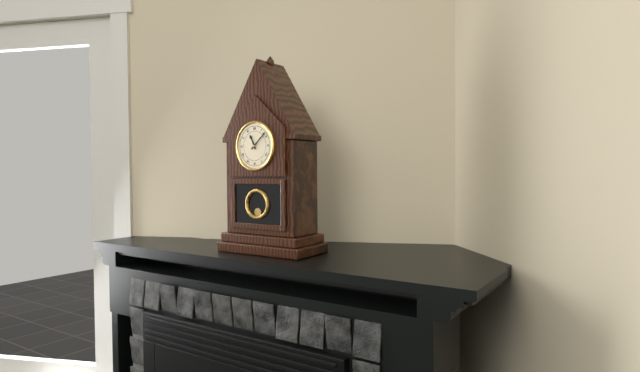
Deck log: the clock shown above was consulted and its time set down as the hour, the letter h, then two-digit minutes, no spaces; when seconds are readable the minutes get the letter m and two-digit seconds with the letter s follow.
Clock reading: 11h08
